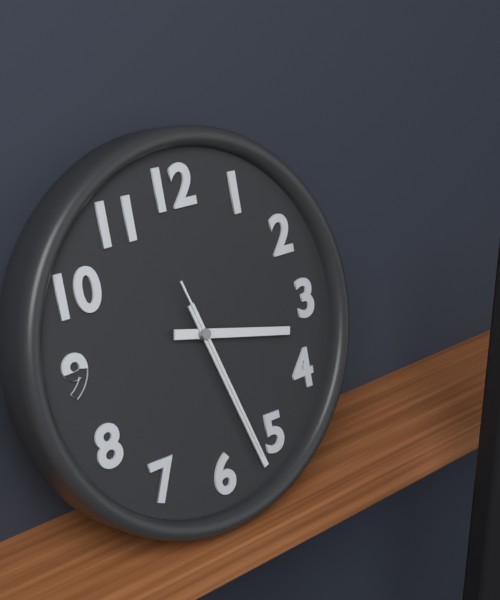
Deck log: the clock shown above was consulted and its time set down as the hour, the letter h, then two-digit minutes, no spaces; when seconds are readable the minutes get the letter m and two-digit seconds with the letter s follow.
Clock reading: 3h27m27s
